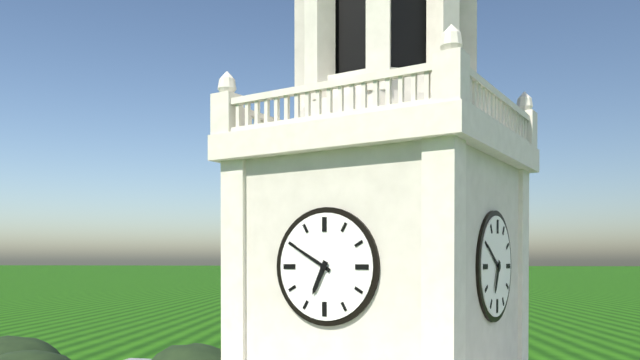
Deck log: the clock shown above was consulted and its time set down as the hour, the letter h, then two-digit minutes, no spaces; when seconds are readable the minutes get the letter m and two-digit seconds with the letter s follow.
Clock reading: 6h50
